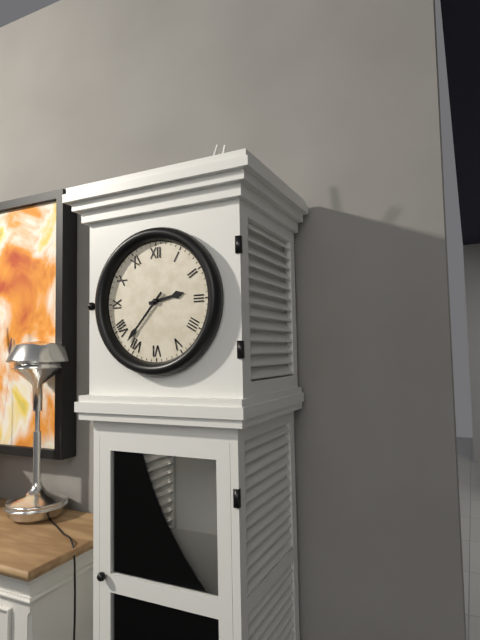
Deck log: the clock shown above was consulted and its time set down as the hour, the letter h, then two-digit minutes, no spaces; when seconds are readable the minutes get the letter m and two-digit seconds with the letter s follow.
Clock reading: 2h37
